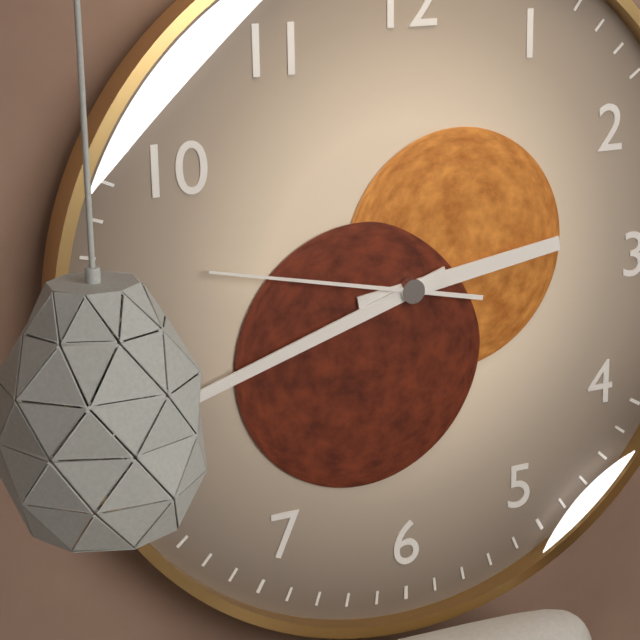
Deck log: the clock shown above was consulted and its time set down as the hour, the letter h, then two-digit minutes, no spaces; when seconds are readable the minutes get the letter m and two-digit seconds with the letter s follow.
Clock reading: 2h42m47s
